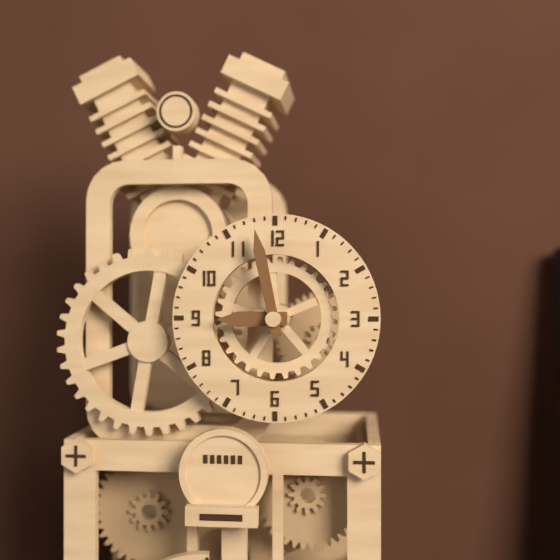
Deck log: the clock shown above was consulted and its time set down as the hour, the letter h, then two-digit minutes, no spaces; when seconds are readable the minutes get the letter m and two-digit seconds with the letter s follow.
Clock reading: 8h58
